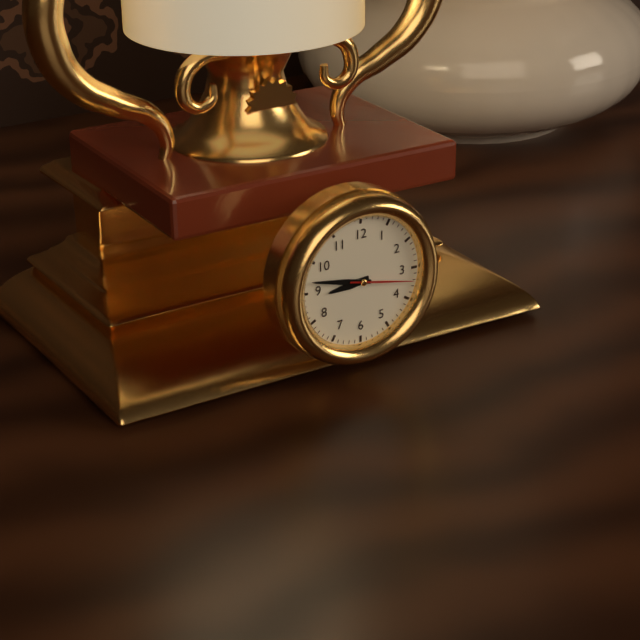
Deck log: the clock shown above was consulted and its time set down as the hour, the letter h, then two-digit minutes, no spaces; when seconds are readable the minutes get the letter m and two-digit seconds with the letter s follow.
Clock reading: 8h47m17s
